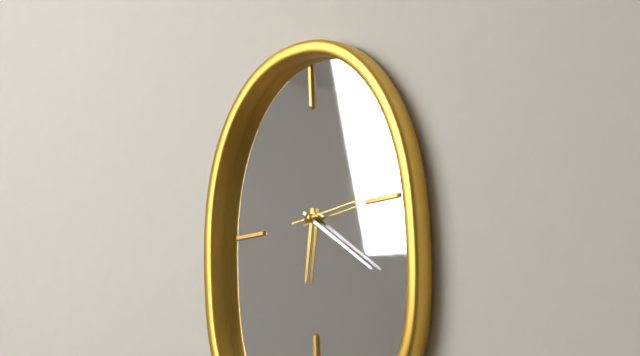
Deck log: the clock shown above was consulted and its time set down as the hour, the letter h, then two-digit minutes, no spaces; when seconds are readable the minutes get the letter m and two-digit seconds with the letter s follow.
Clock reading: 6h21m14s
